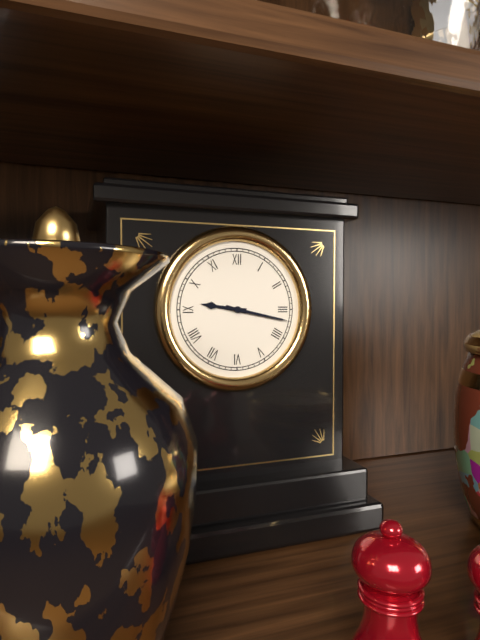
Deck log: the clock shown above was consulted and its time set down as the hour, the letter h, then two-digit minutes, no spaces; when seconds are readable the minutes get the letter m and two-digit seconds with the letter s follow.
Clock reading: 9h17
